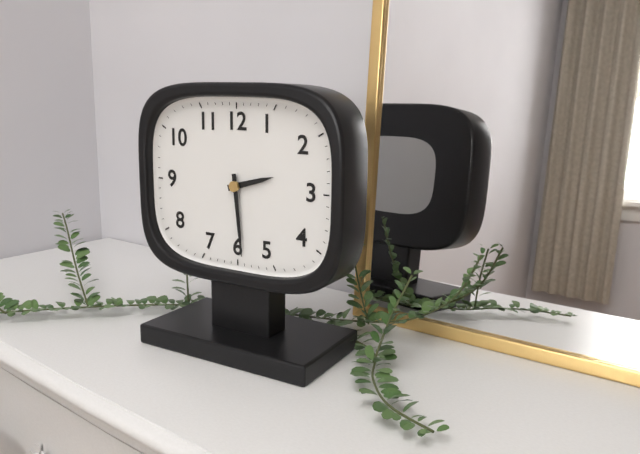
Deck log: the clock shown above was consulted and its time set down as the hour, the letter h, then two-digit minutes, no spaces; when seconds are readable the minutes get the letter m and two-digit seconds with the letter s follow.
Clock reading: 2h29
